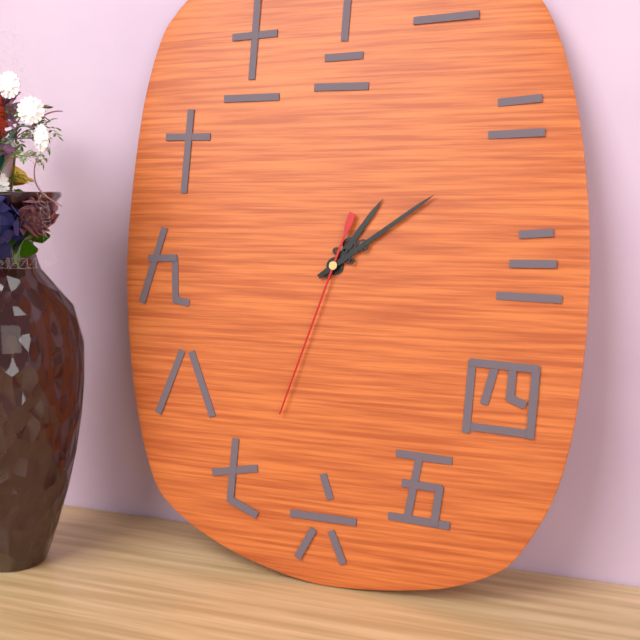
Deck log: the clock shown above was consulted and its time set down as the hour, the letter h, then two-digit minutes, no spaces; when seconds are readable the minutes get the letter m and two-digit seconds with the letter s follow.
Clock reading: 1h09m33s
